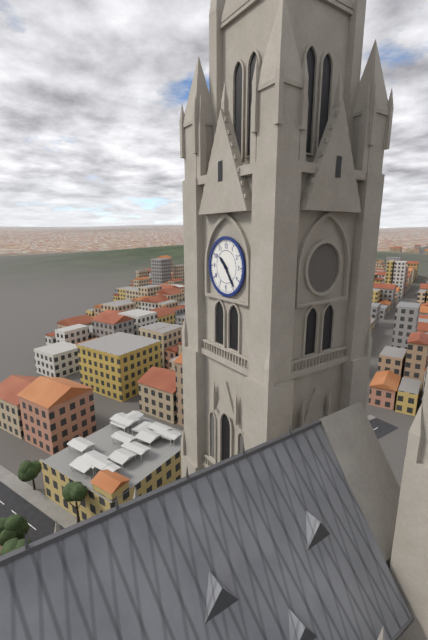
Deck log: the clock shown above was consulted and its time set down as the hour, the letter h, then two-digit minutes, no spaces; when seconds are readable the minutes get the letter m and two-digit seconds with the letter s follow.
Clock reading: 10h24
